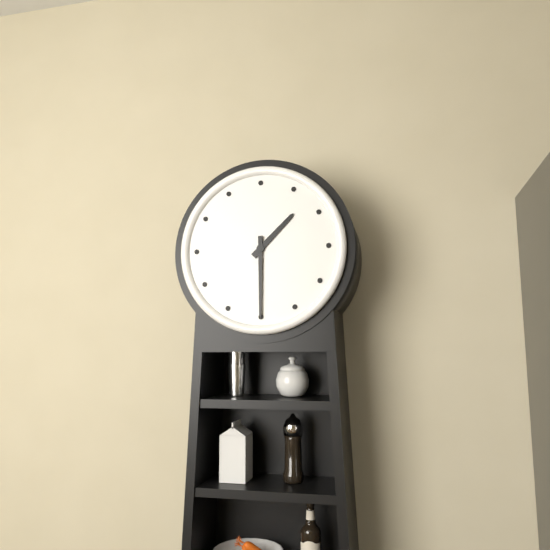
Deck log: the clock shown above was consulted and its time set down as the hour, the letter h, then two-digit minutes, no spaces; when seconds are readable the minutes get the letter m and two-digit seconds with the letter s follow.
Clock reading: 1h30
